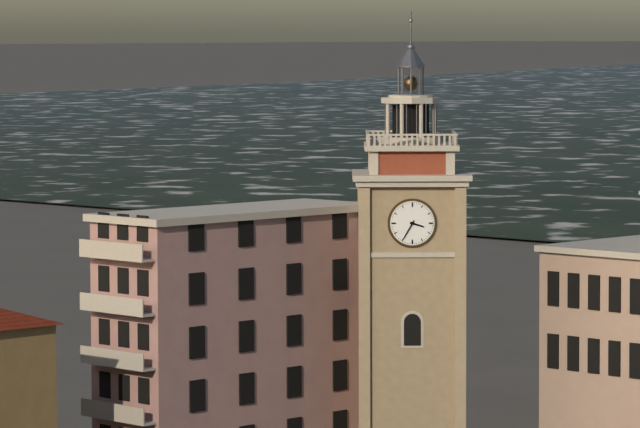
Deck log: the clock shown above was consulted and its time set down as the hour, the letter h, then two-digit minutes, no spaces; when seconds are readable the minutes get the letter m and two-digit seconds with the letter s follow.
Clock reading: 3h35
